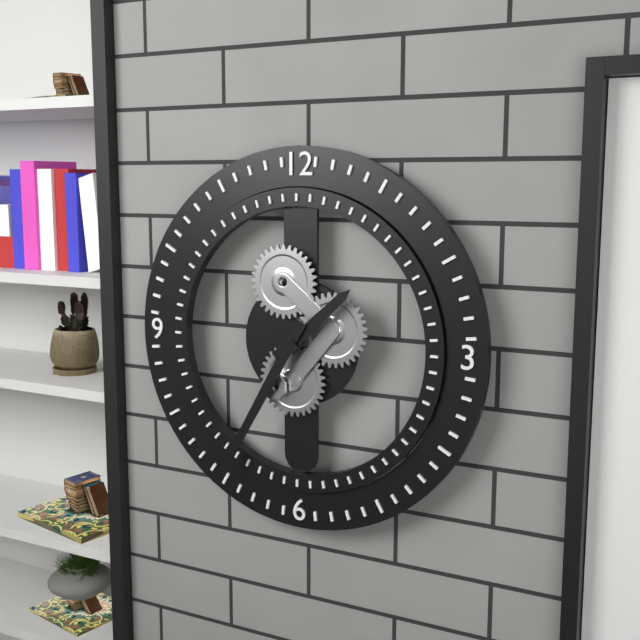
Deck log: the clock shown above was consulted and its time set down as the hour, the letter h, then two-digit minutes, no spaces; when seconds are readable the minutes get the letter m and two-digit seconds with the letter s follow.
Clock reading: 1h35
